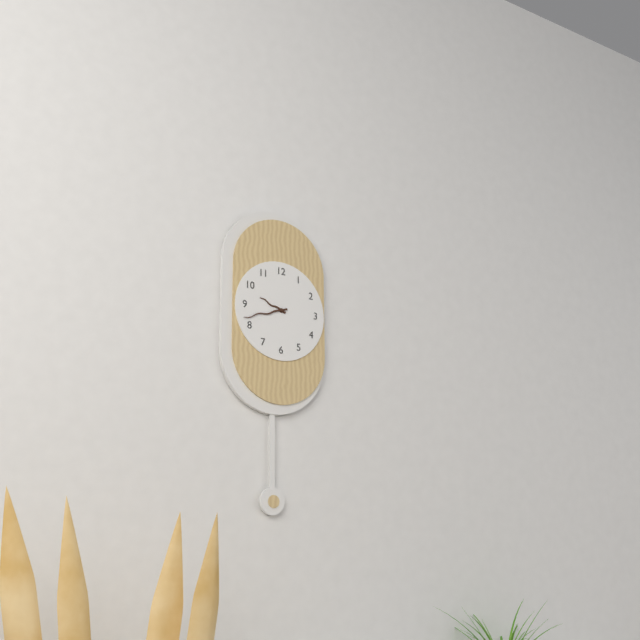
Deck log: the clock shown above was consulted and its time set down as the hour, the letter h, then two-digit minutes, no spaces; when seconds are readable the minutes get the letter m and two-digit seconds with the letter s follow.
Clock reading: 9h42
